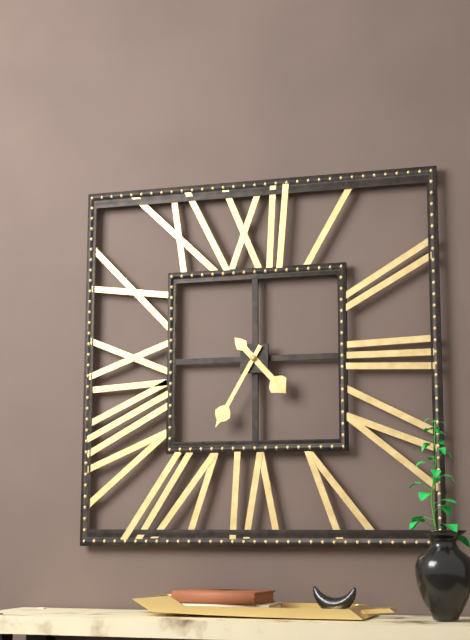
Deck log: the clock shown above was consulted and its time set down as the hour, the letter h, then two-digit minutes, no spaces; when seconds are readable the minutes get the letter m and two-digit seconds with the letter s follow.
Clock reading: 4h35
